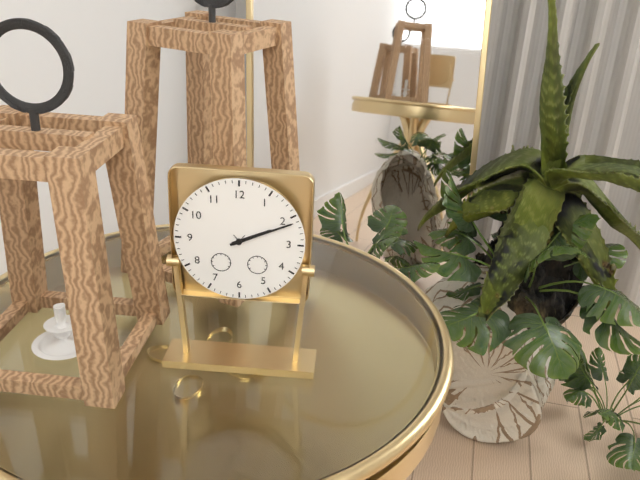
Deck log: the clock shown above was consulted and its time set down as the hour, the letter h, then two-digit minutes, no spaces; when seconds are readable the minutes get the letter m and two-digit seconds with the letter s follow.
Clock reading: 2h11
